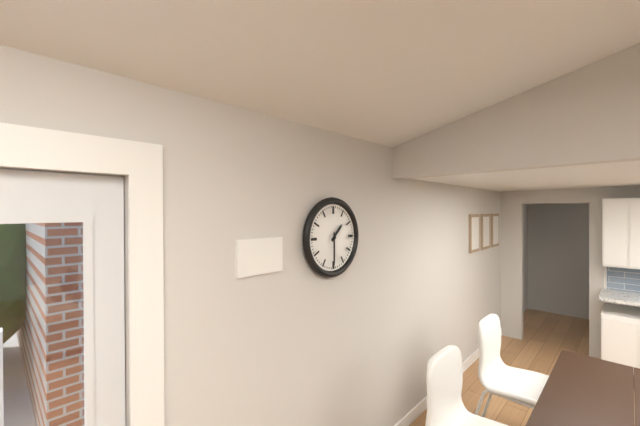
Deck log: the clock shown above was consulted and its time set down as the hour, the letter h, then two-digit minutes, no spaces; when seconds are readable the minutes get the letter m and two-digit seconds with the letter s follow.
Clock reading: 1h30
